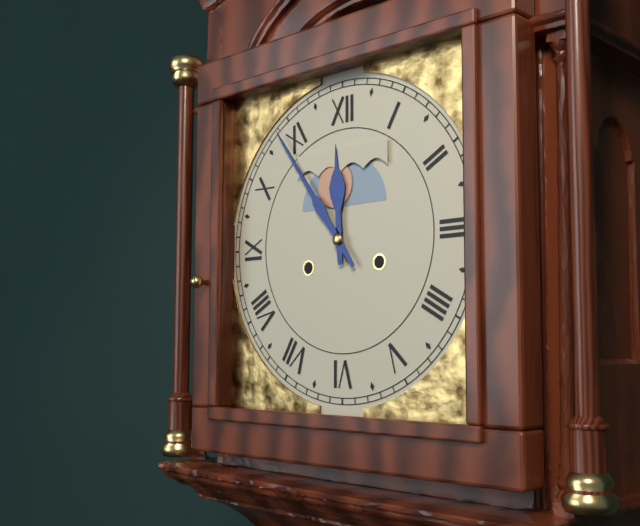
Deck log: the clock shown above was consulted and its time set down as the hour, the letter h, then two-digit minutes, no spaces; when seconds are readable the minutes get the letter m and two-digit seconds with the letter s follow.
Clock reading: 11h54
